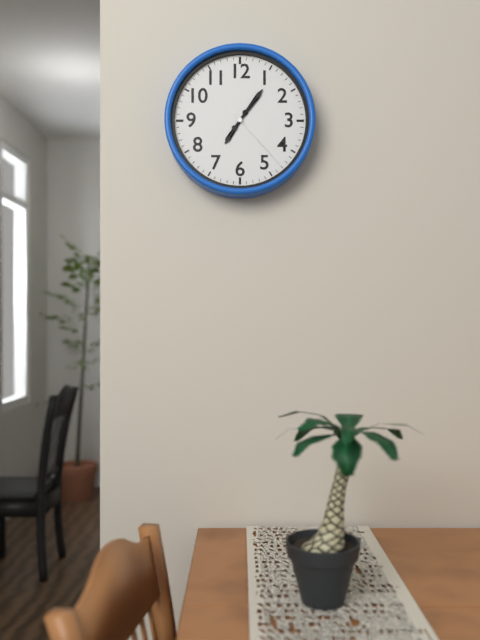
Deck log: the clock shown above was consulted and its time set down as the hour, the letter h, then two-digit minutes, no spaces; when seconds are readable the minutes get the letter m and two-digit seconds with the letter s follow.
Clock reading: 7h06m23s
